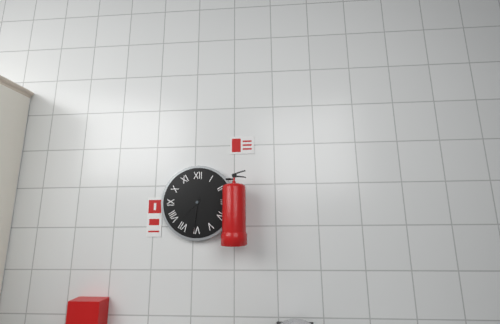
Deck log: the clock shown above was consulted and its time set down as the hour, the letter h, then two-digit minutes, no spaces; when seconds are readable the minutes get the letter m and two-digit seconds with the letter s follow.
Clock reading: 7h31
